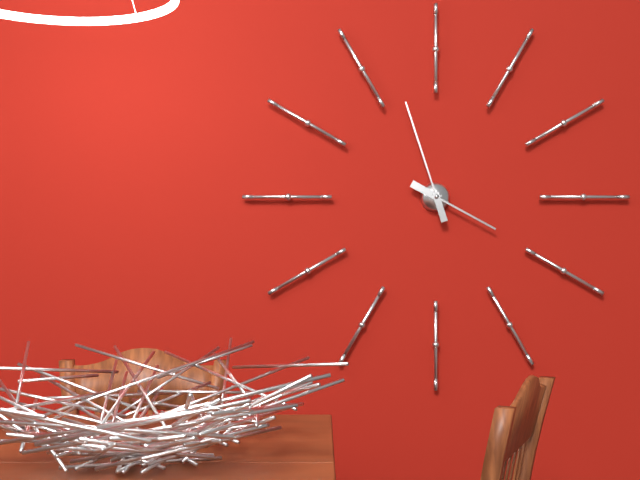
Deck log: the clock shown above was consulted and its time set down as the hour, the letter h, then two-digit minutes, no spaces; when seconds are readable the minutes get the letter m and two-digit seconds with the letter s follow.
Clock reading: 3h57
